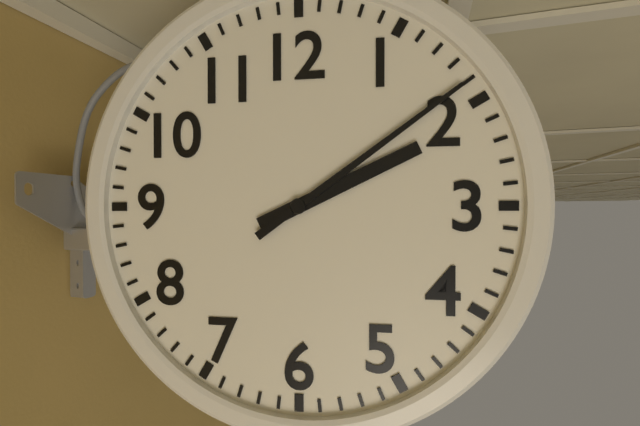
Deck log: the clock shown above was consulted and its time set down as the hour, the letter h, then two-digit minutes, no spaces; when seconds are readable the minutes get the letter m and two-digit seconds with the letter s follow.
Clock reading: 2h09
